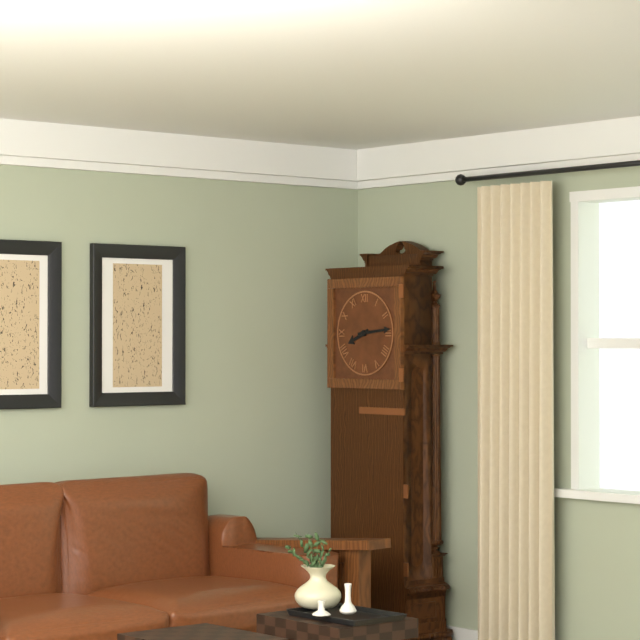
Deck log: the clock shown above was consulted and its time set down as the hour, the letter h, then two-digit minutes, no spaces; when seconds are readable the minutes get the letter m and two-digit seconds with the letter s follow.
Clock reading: 8h14
